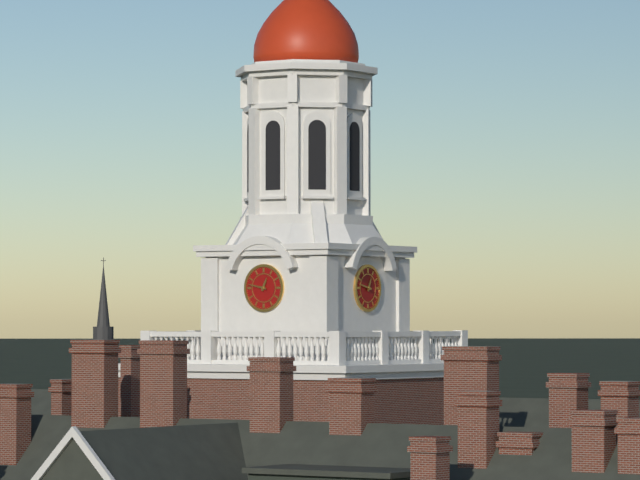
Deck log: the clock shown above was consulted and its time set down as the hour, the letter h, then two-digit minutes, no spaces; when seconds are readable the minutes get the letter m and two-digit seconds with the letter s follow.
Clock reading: 12h47
